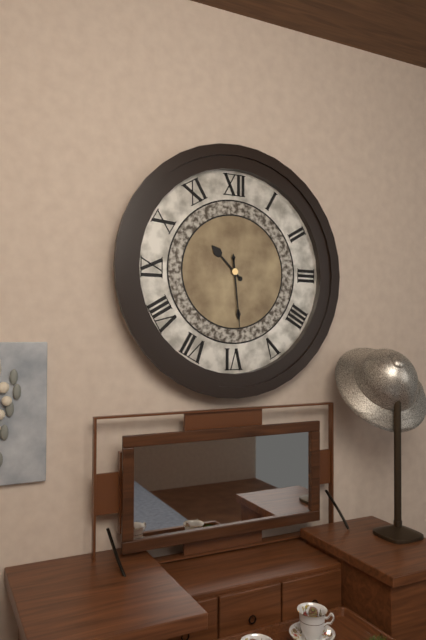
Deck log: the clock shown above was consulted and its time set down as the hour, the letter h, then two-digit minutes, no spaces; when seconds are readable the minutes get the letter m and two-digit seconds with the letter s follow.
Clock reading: 10h29
